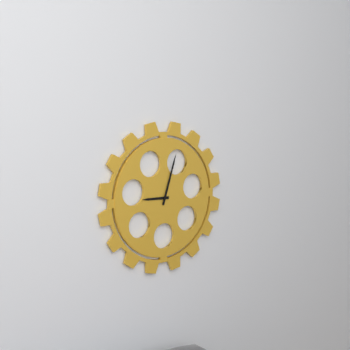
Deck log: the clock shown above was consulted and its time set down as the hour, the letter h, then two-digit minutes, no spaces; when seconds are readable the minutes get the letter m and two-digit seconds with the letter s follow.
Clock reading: 9h03
